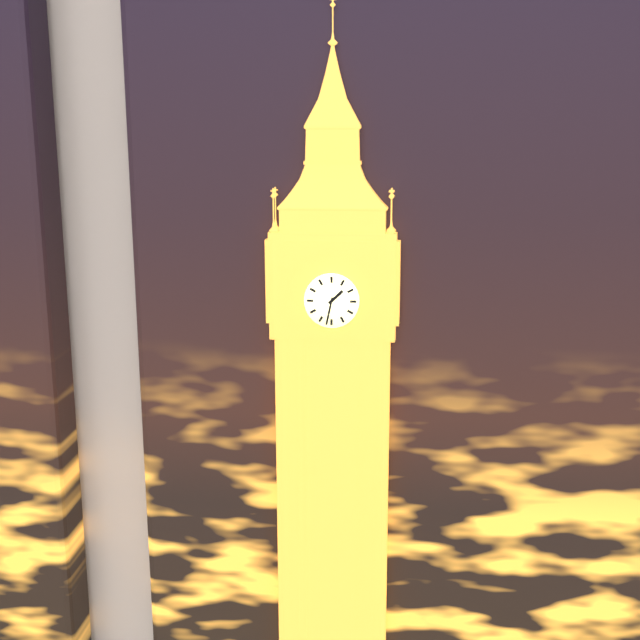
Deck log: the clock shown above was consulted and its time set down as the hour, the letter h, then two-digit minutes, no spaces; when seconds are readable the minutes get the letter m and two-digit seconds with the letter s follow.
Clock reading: 1h32
